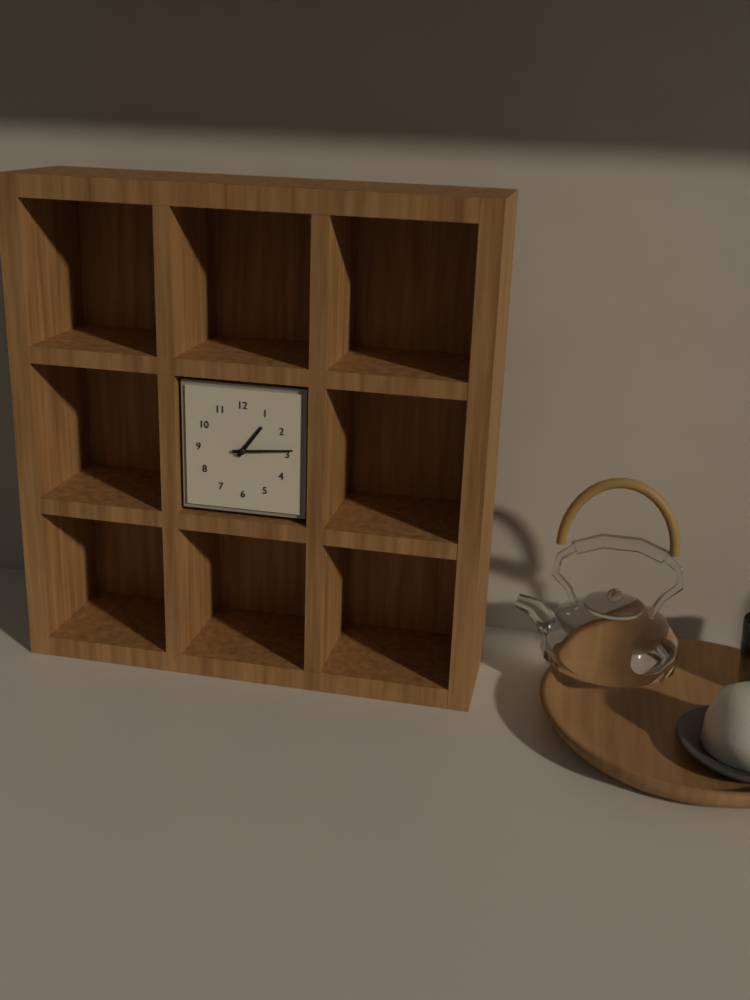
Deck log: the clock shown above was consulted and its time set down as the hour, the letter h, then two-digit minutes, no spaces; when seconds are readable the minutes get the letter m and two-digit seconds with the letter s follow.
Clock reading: 1h14
